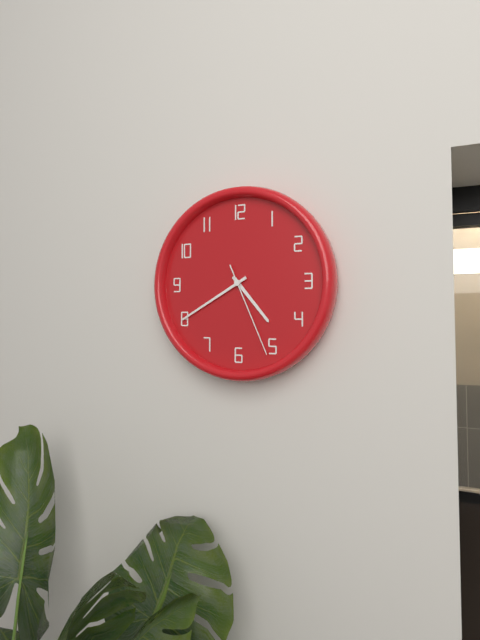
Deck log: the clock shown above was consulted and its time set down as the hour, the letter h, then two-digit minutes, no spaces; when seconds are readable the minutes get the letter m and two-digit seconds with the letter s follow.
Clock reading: 4h40m26s
